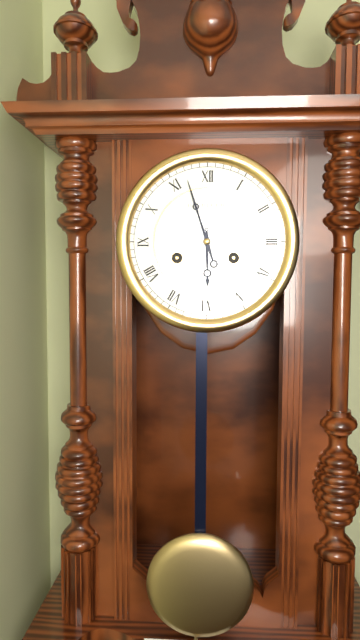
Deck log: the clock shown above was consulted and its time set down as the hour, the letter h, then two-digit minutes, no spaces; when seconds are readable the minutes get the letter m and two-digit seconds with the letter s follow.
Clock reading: 5h57
